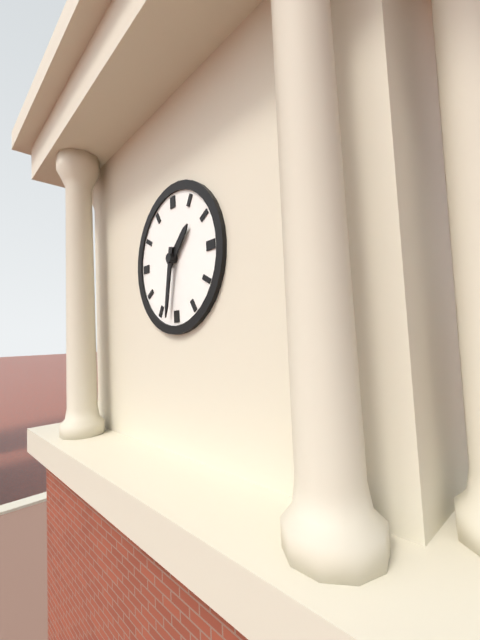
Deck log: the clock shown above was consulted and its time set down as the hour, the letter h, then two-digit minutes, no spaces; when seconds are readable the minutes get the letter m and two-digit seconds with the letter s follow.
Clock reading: 1h32
